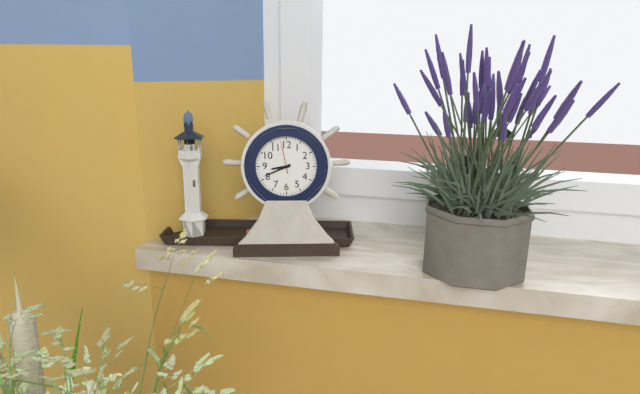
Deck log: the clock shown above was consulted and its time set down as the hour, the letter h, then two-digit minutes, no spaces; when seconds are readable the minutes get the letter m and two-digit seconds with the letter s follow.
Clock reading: 8h41
